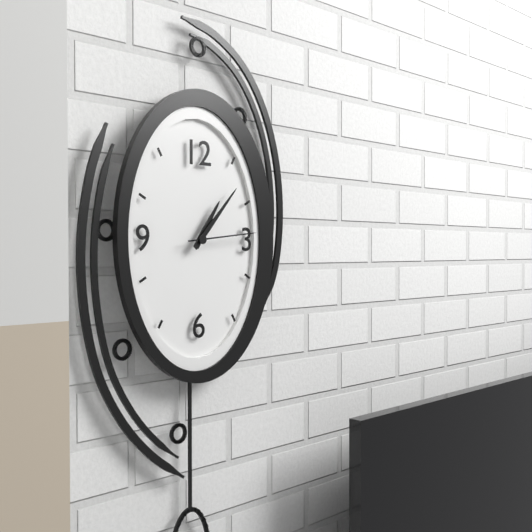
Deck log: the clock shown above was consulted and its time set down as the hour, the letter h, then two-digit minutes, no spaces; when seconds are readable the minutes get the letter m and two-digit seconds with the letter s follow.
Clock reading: 1h07m14s
